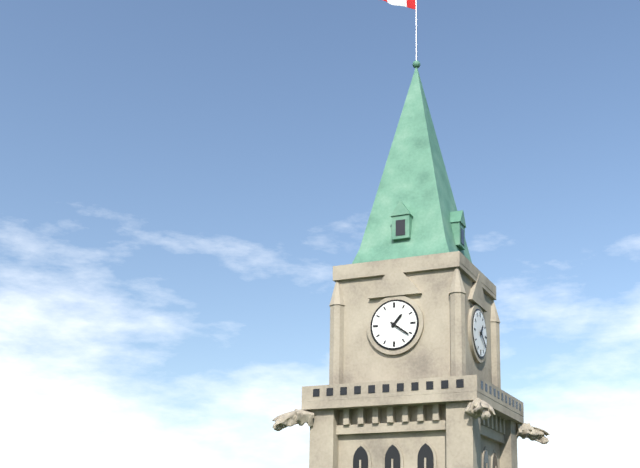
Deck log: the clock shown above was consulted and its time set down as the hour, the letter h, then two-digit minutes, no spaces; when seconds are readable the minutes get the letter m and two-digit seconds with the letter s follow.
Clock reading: 1h21
